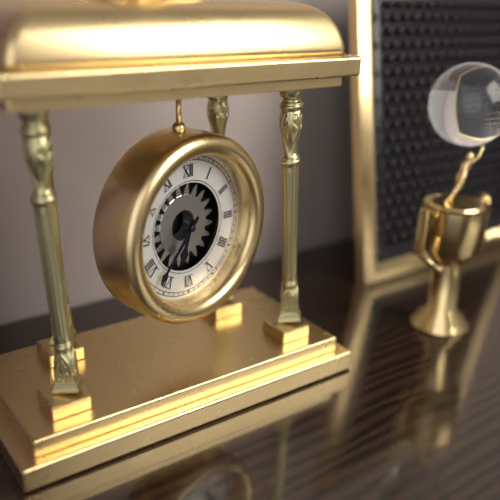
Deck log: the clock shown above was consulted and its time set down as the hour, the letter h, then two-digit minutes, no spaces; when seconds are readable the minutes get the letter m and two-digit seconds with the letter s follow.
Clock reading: 6h37
